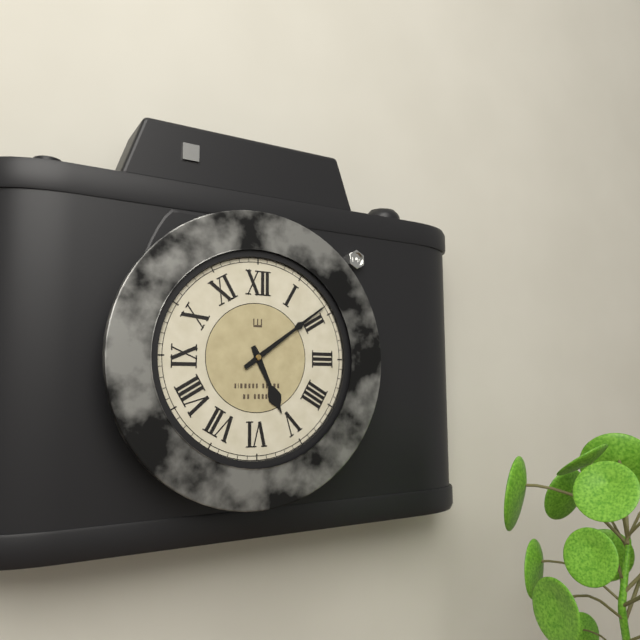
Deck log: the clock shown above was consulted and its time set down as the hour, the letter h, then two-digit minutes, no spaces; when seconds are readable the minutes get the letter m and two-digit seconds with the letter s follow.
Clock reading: 5h09
